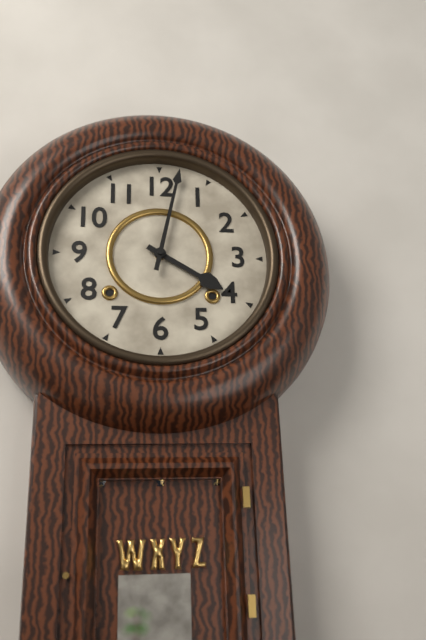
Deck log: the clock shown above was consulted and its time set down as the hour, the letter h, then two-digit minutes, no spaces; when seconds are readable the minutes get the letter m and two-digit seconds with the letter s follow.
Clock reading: 4h02
